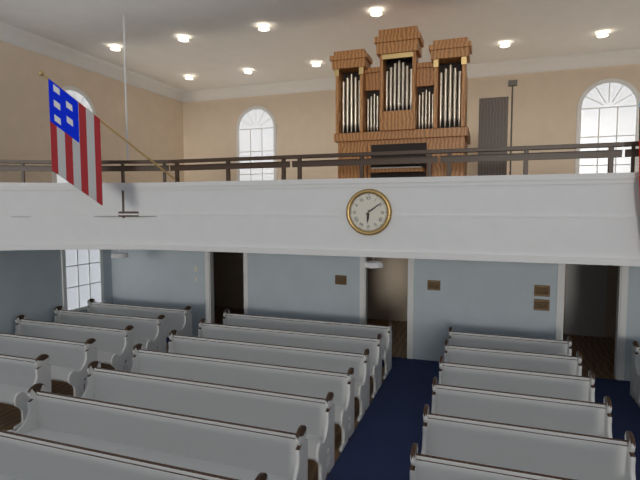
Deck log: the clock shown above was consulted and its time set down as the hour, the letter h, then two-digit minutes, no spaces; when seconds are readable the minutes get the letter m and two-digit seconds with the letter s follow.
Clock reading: 6h09
